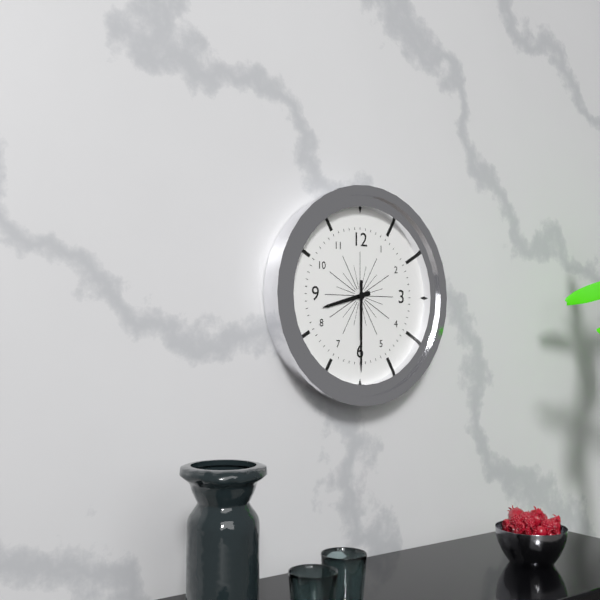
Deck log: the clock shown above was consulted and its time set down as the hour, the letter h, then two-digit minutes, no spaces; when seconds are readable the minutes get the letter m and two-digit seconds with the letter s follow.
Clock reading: 8h30
